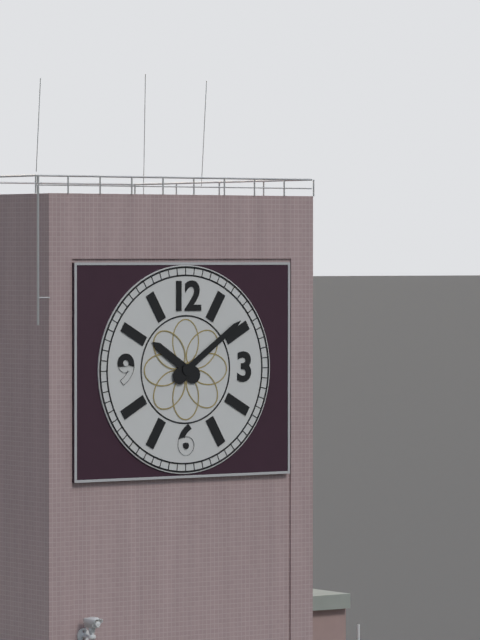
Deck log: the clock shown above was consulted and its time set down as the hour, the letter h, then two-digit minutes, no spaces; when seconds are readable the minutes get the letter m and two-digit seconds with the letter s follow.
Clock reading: 10h09
